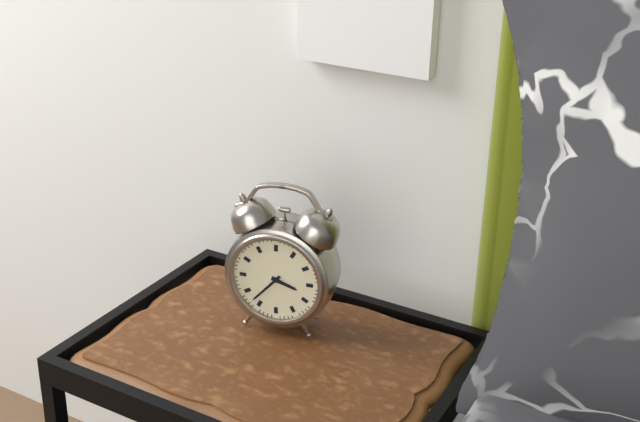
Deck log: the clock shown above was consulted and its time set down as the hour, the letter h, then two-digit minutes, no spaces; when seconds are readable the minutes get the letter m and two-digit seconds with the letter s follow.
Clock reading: 3h37
